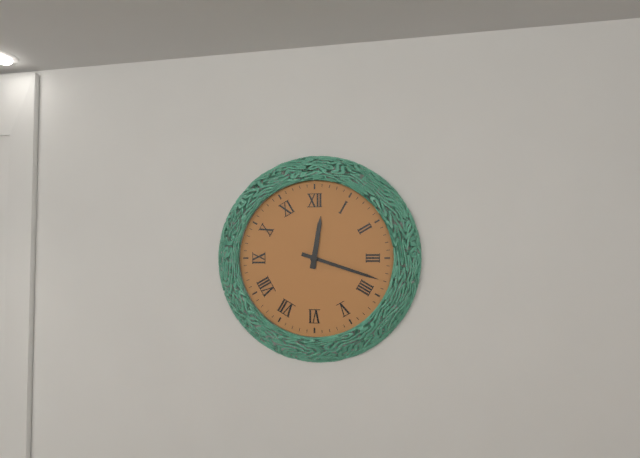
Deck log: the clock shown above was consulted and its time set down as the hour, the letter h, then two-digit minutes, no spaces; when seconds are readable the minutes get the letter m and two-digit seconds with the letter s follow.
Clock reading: 12h18
